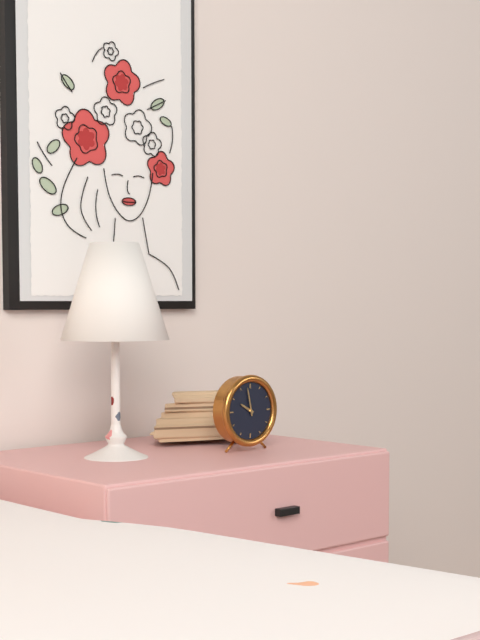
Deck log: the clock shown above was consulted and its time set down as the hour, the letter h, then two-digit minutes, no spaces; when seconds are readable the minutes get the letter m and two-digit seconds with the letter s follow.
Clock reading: 9h58
